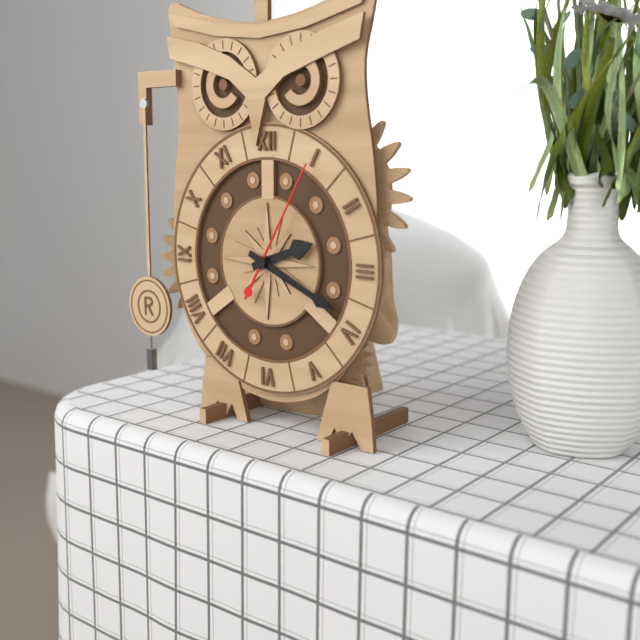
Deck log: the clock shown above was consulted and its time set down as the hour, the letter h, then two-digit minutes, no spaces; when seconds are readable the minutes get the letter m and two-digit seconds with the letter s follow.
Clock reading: 2h19m05s
